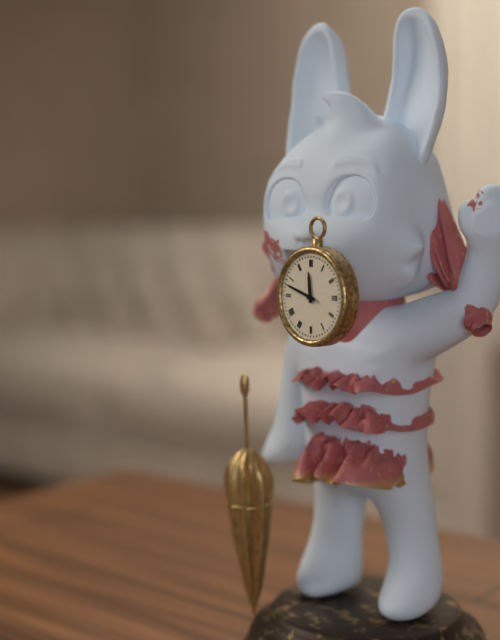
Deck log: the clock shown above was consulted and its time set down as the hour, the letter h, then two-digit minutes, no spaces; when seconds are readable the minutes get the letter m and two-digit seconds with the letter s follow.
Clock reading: 11h48
